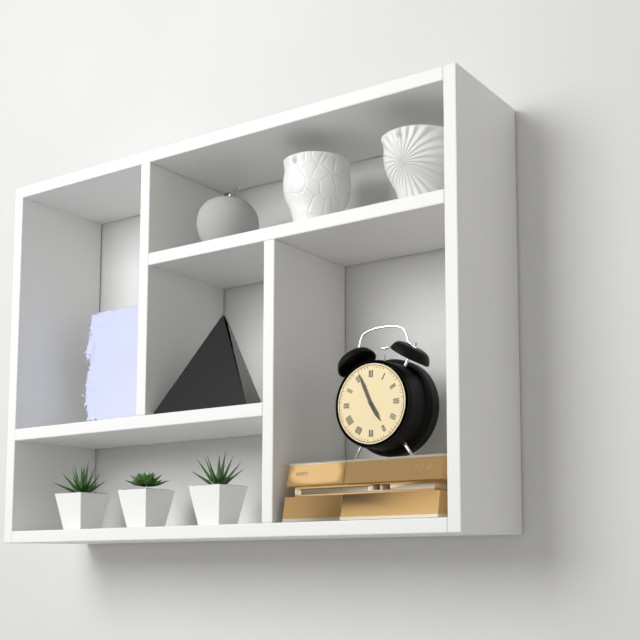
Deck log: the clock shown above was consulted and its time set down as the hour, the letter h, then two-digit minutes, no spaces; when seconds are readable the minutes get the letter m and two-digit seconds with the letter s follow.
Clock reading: 4h56
